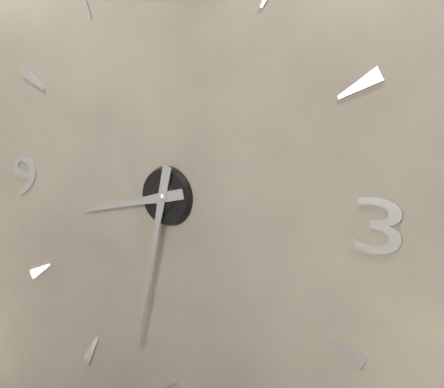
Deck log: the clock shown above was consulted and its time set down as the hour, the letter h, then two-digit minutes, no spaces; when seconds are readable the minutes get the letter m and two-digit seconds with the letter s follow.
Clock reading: 8h32
